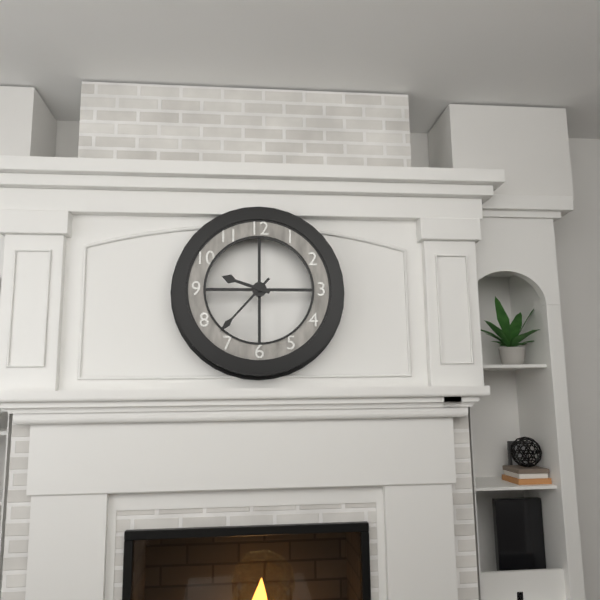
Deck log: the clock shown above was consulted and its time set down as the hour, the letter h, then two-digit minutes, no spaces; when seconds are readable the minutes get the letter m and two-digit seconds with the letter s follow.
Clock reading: 9h37
